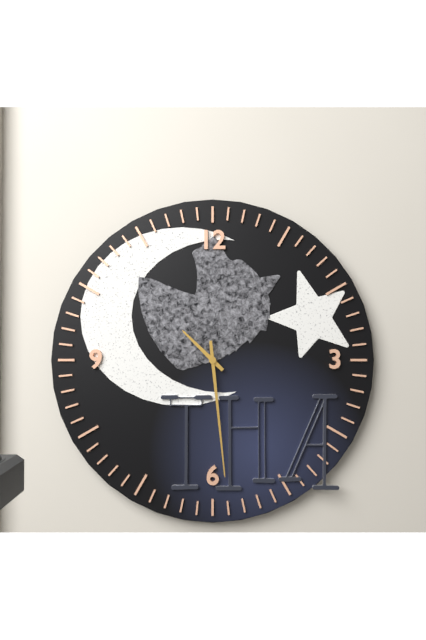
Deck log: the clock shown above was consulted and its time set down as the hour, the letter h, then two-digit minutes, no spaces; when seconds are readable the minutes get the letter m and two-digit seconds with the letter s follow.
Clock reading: 10h29
